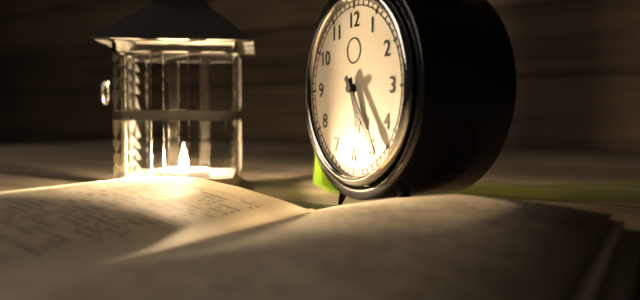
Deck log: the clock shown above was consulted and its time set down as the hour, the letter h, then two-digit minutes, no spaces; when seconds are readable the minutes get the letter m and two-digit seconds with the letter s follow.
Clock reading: 5h24
